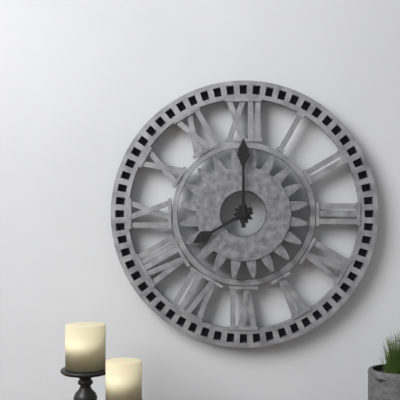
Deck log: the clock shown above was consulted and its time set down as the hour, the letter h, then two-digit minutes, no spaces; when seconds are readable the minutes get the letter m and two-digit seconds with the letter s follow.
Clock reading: 8h00
